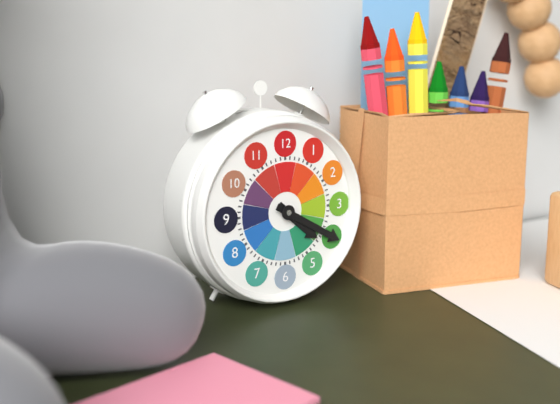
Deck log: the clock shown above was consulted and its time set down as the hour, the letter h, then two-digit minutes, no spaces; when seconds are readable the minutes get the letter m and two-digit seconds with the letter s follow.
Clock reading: 4h20
